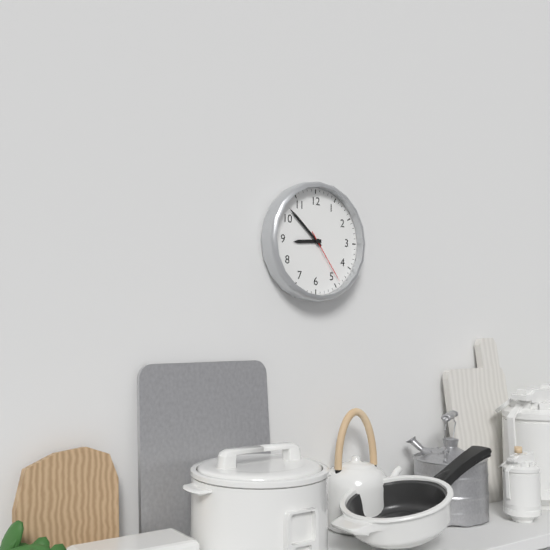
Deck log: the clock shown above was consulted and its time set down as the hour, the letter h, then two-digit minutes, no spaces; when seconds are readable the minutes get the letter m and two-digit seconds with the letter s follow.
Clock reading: 8h52m24s
